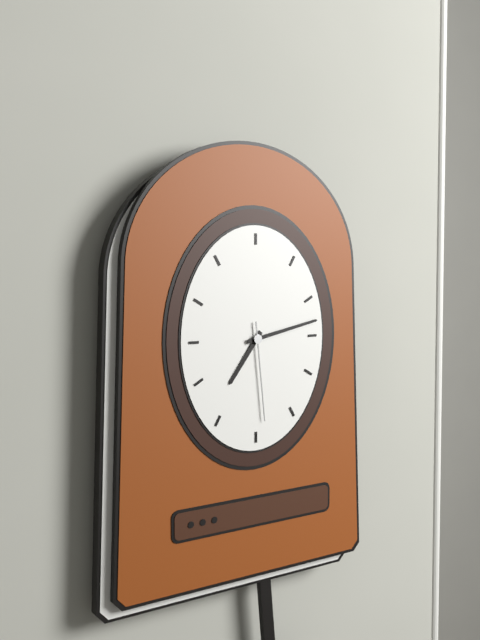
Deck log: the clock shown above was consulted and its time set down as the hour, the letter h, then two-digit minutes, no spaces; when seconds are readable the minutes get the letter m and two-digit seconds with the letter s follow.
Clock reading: 7h13m29s
